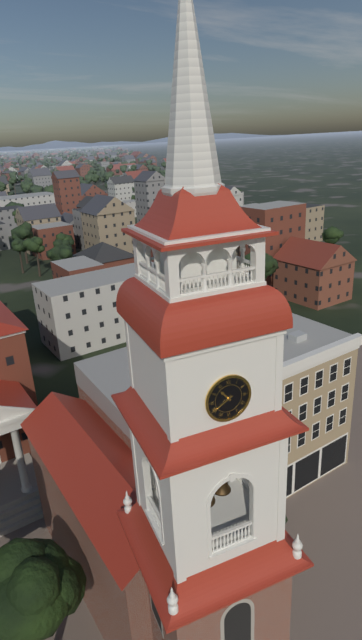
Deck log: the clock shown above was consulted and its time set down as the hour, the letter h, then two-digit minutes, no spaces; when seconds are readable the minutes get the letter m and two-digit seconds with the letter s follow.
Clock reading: 10h40
